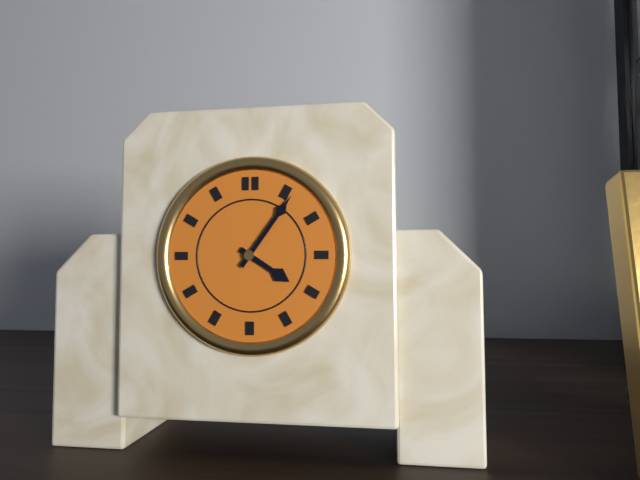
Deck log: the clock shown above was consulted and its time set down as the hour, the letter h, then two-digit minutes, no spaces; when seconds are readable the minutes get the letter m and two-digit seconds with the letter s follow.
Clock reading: 4h06
